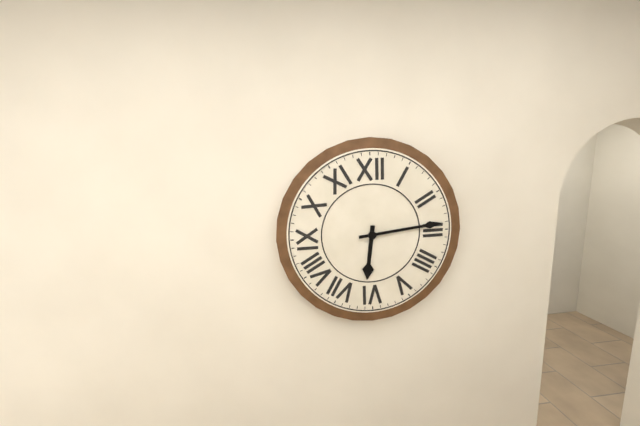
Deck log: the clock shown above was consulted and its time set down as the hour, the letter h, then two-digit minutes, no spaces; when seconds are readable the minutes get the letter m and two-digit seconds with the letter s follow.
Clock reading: 6h14
